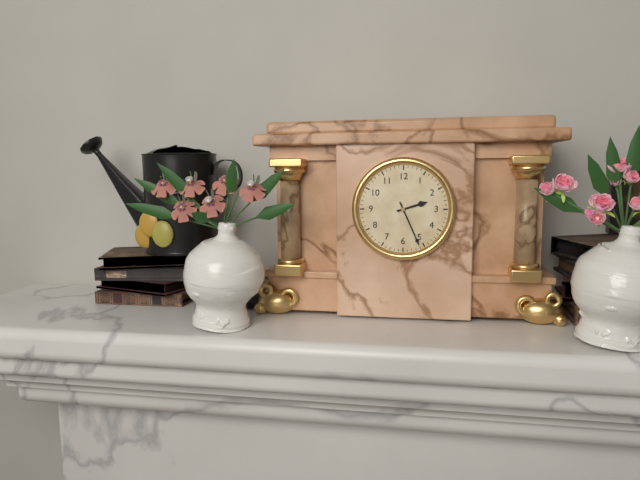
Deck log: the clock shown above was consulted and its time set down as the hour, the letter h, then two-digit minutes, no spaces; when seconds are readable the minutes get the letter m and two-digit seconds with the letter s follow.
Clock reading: 2h26
